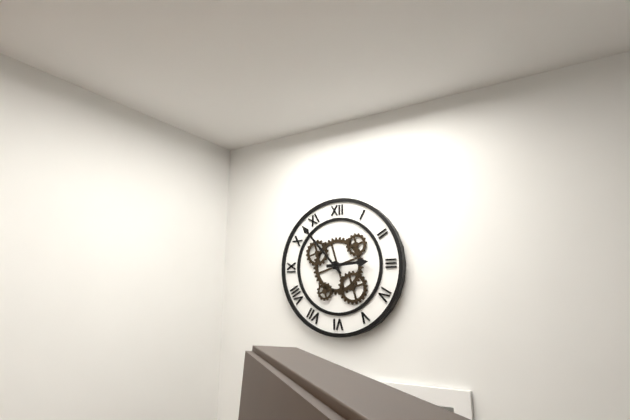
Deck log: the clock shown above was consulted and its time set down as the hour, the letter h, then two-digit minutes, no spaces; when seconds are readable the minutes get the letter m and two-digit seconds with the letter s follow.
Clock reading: 2h53
